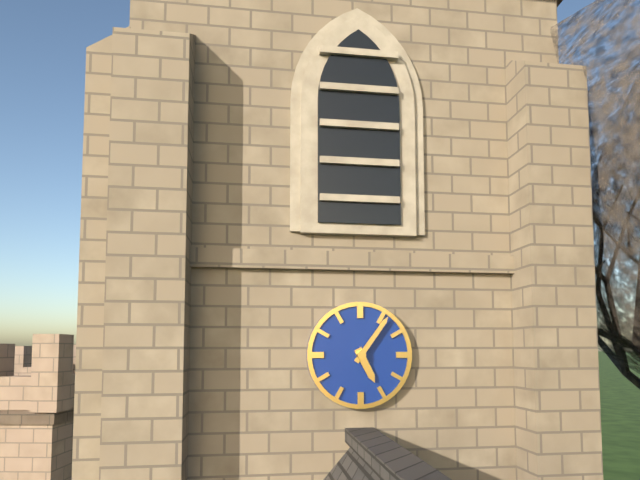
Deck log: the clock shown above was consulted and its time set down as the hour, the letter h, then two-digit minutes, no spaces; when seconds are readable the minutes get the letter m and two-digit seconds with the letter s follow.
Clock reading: 5h06
